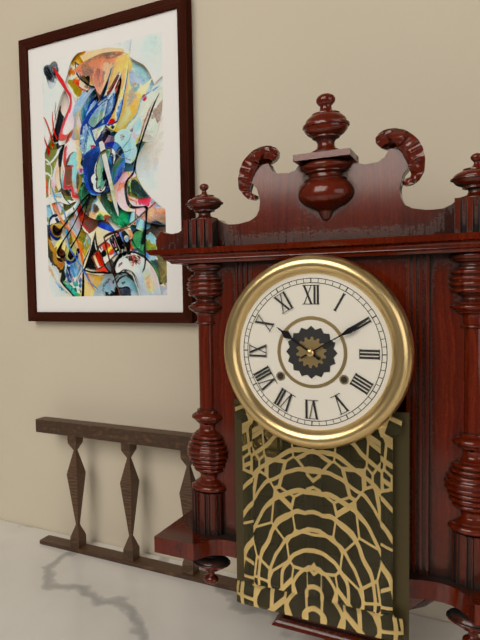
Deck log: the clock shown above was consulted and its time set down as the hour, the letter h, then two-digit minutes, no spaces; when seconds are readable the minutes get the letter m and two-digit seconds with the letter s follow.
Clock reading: 10h10
